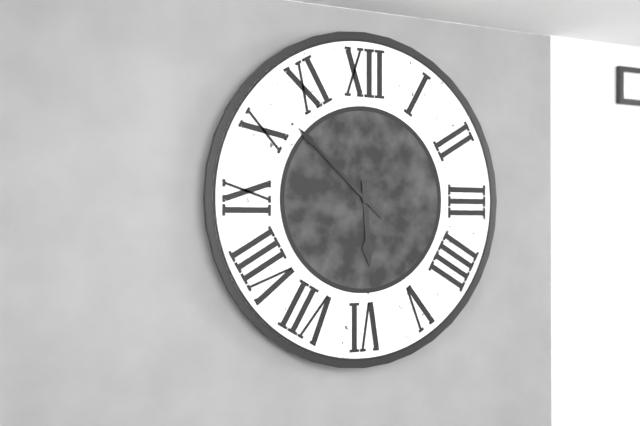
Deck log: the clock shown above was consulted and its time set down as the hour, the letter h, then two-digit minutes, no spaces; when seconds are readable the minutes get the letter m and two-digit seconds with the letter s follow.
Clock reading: 5h52
